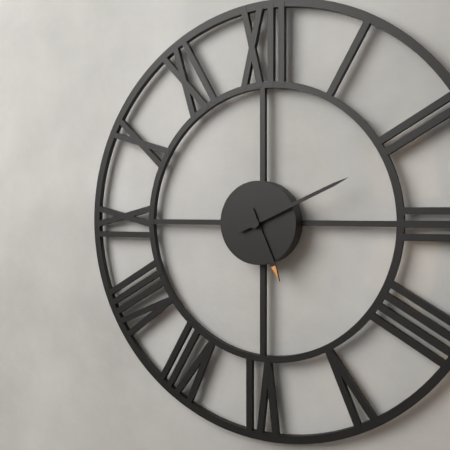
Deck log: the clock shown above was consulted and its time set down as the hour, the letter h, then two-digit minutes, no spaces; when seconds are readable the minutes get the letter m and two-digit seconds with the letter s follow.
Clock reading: 5h11
